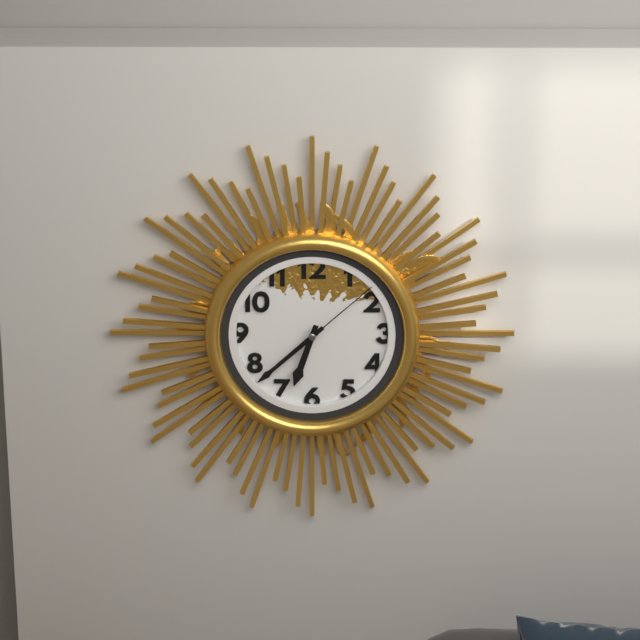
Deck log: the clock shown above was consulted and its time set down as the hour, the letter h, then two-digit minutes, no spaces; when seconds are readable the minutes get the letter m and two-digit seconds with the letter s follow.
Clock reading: 6h38m08s
